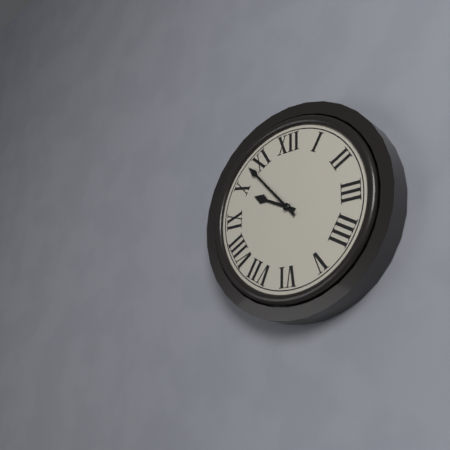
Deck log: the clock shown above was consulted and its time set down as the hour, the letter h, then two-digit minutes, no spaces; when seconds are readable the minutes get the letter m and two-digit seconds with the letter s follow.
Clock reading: 9h53
